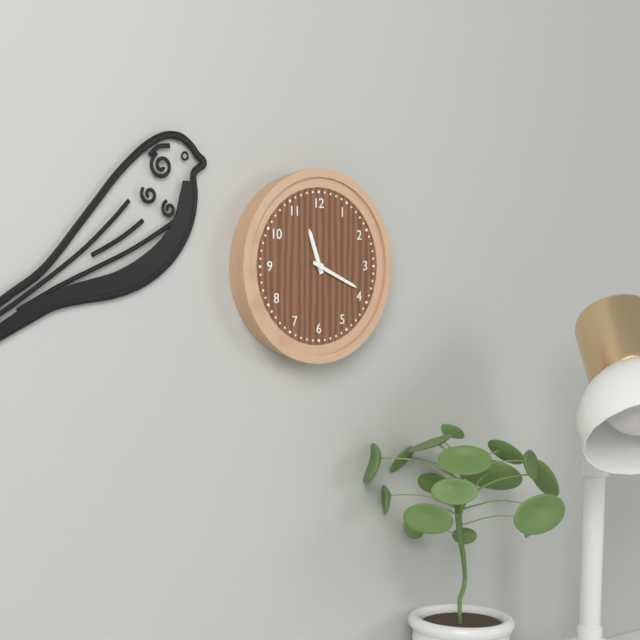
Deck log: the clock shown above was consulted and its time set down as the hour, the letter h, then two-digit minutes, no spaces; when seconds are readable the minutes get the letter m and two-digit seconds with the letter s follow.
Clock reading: 11h19
